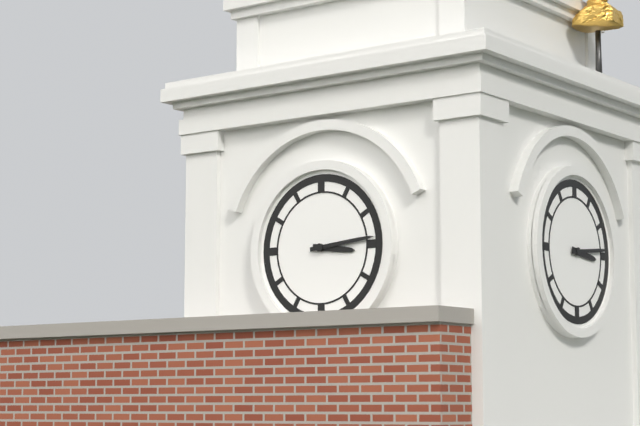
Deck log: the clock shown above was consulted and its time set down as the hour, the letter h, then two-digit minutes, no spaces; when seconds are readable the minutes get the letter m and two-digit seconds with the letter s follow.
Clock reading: 3h14
